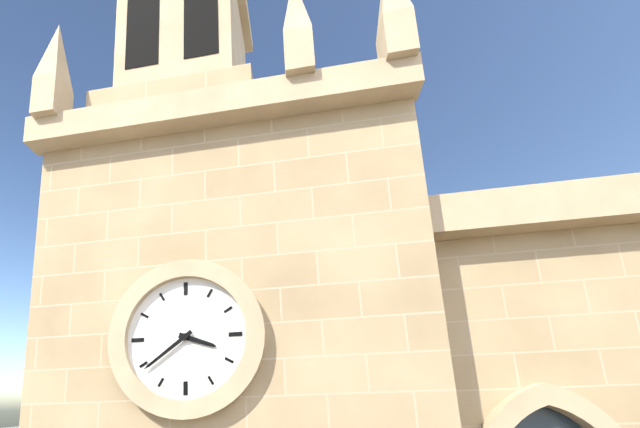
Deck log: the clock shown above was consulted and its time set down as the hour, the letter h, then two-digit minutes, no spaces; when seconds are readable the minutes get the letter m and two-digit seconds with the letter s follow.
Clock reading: 3h39
